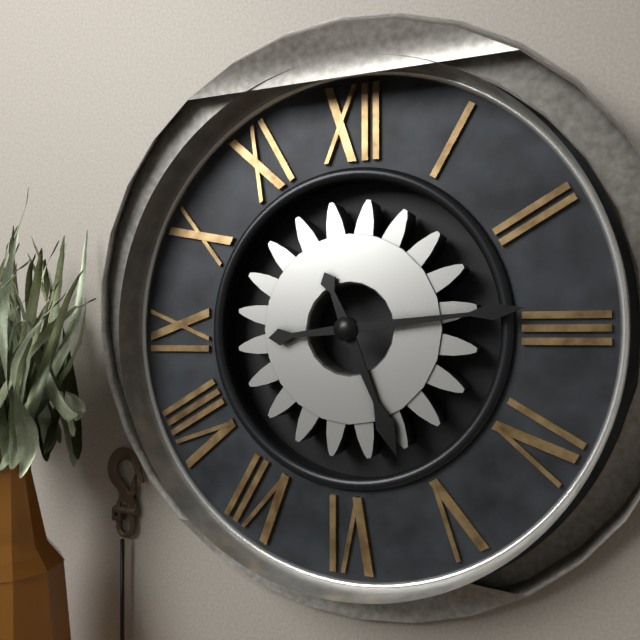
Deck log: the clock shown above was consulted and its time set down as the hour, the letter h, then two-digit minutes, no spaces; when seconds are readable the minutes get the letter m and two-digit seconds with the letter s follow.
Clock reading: 5h14
